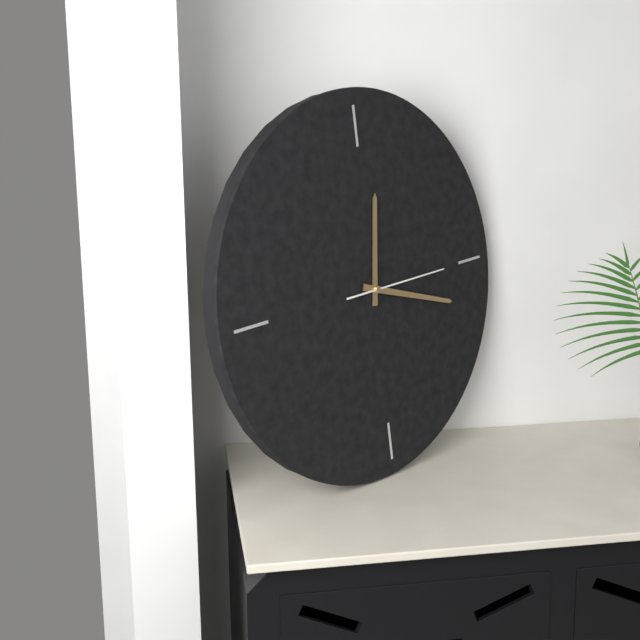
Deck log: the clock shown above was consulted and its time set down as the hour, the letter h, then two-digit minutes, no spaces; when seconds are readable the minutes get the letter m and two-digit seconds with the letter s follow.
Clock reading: 12h18m15s
